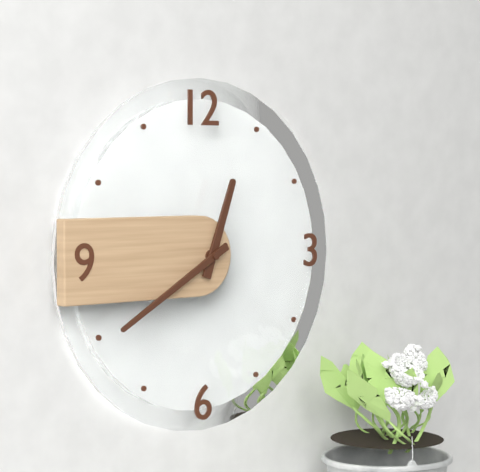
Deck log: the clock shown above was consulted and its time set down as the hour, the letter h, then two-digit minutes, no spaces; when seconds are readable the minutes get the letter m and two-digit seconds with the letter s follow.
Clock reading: 12h40
